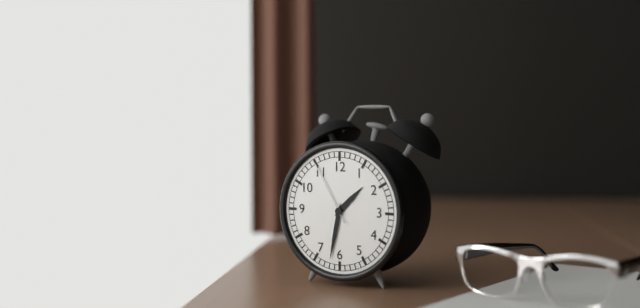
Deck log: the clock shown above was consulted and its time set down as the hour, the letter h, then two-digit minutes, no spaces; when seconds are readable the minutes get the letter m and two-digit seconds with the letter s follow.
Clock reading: 1h32m55s
